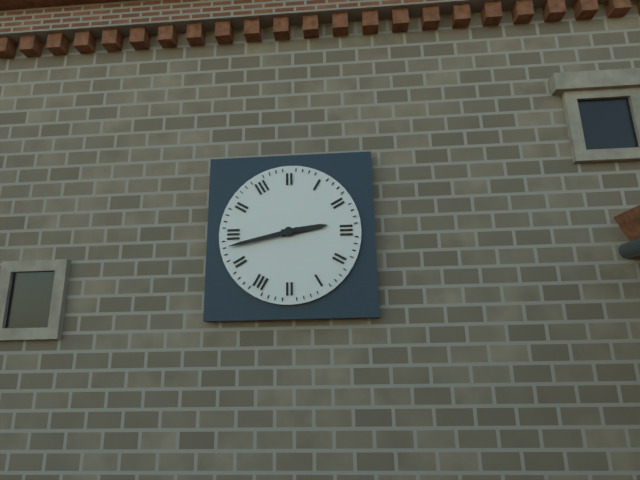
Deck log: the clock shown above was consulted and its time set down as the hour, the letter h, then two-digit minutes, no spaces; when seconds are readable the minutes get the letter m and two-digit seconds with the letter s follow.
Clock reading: 2h43
